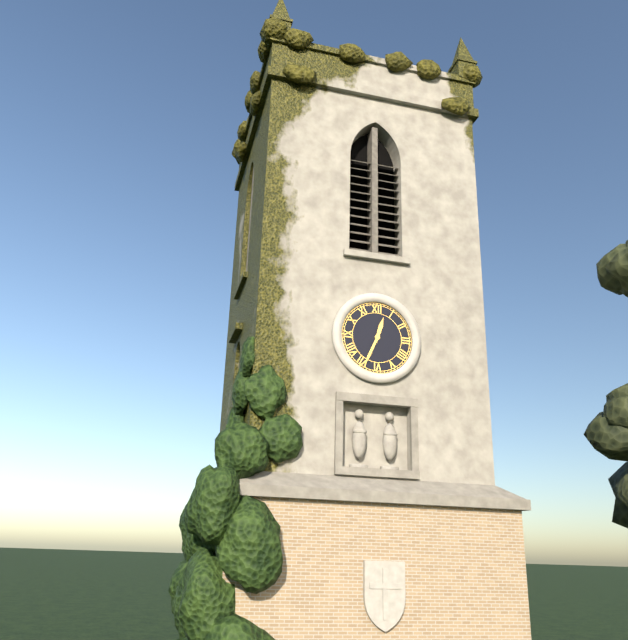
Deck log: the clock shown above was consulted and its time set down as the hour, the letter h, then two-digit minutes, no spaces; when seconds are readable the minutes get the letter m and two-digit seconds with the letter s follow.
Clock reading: 12h34
